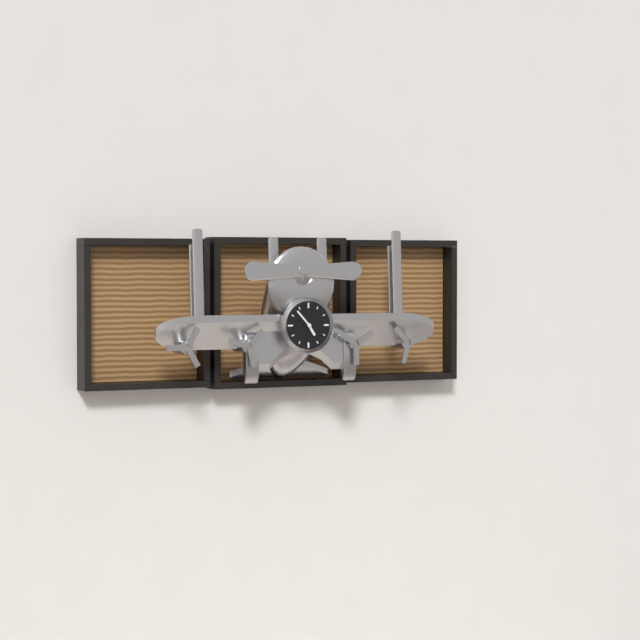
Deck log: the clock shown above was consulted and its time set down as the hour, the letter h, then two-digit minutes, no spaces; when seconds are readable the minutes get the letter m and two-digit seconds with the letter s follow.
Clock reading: 4h53
